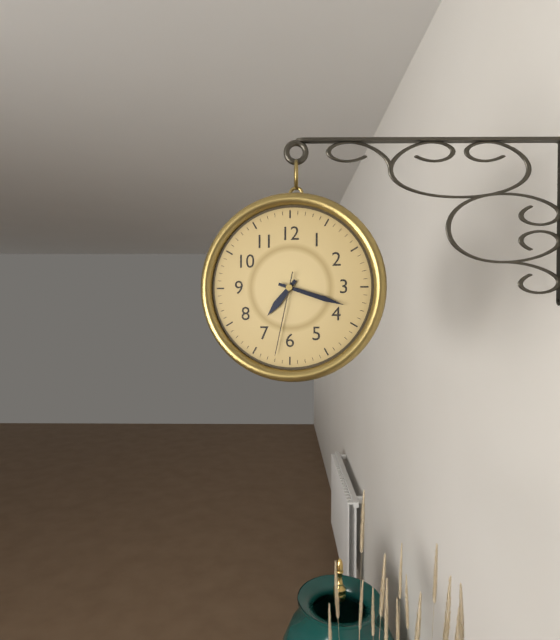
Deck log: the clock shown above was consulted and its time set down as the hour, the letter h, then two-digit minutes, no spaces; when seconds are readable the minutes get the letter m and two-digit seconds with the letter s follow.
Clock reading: 7h18m32s
